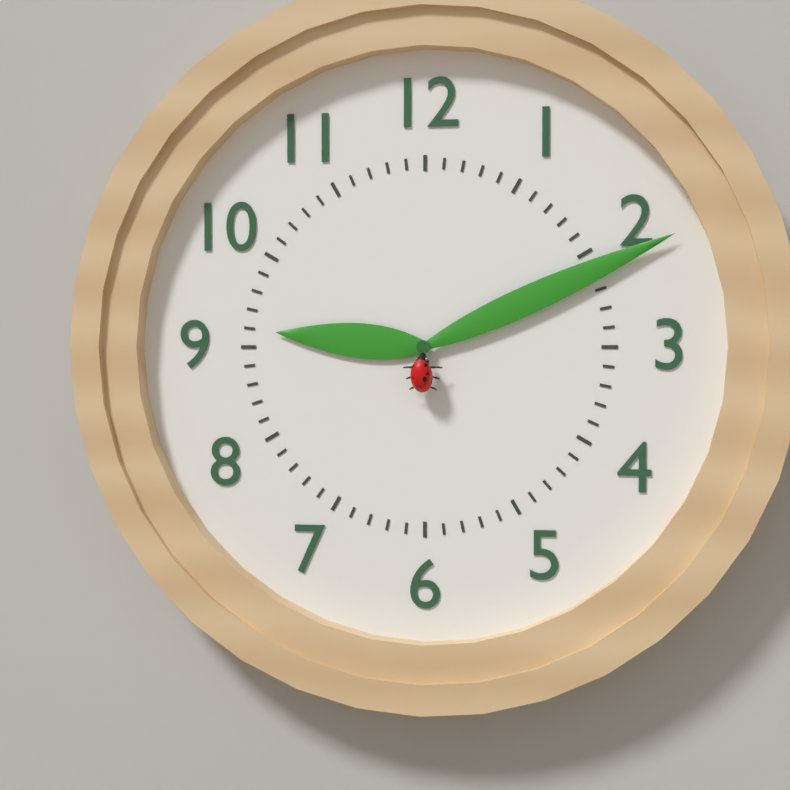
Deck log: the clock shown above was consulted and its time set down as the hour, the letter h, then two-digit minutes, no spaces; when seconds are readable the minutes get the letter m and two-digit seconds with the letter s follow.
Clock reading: 9h11
